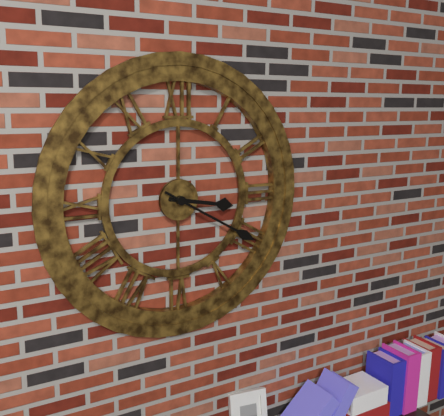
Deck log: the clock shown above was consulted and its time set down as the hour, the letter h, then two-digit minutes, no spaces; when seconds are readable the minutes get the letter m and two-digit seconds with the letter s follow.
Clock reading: 3h20
